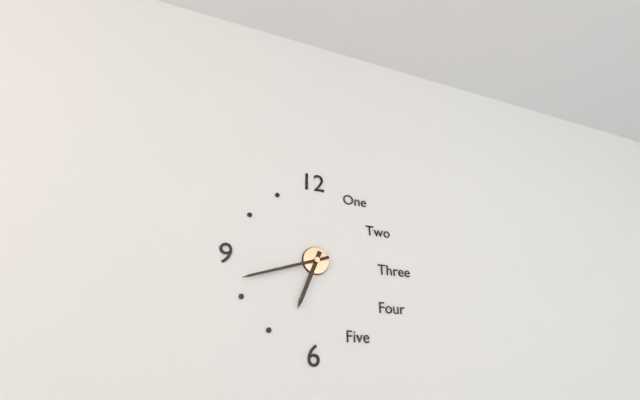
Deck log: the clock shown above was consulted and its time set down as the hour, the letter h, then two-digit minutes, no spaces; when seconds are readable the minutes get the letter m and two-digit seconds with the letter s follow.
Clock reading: 6h42
